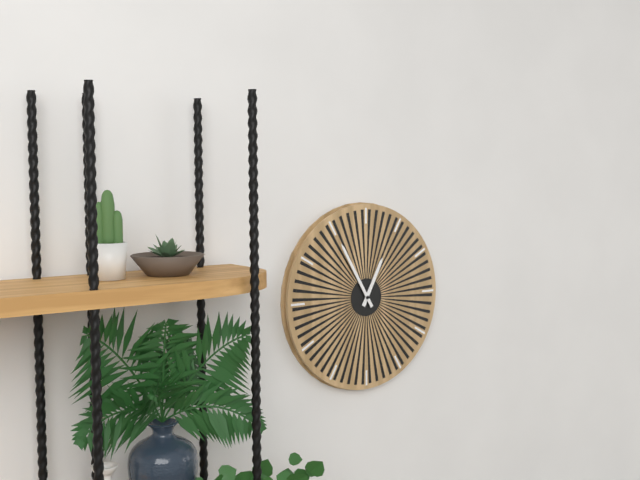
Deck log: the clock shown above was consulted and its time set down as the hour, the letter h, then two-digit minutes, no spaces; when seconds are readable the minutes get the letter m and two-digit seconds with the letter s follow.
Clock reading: 12h55
